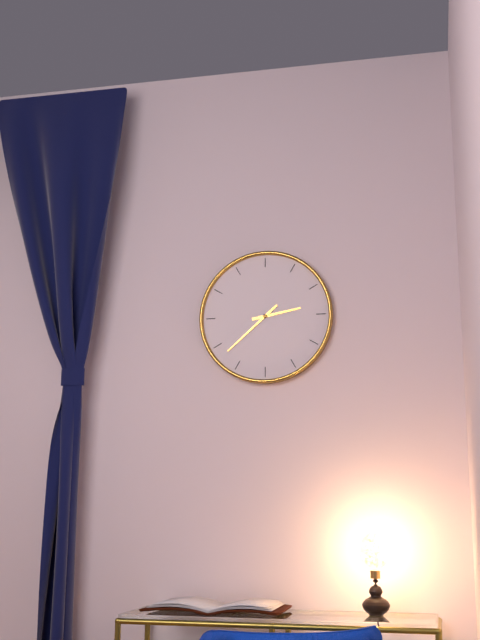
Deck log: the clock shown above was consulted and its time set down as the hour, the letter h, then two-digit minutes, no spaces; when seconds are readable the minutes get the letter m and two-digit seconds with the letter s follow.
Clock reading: 2h38
